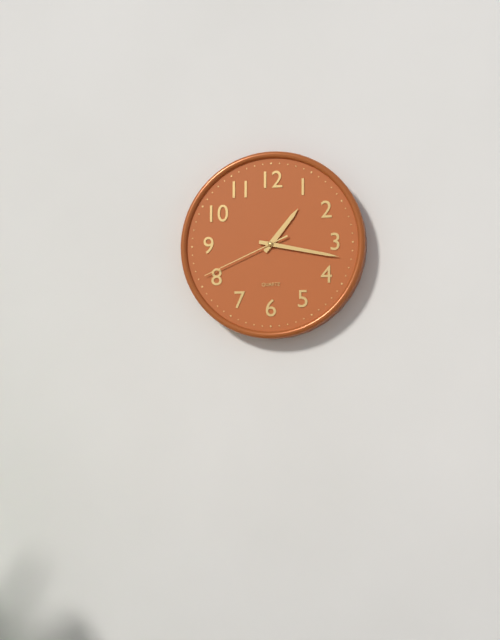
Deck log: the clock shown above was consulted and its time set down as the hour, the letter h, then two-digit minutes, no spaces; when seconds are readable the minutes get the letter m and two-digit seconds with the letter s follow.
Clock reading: 1h17m41s
